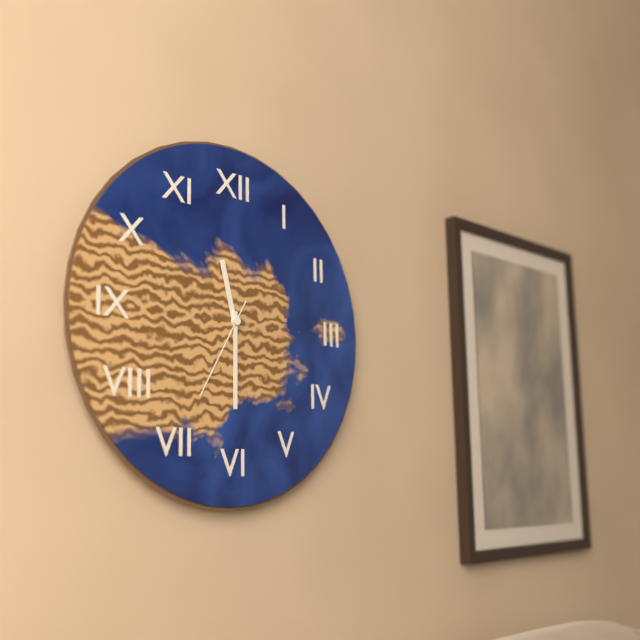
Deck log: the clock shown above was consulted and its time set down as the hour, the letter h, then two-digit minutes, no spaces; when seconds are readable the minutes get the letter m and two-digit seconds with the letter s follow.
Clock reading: 11h30m35s
